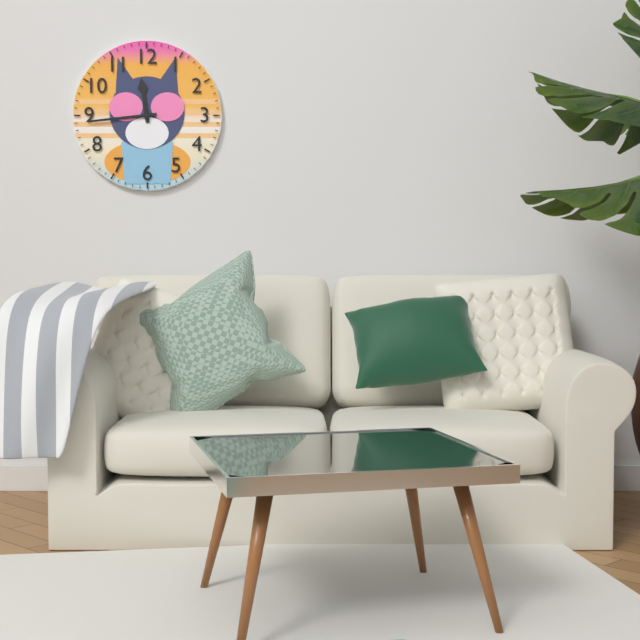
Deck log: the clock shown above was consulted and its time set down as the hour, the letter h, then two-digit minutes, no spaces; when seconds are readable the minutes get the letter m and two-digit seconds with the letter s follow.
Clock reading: 11h44
